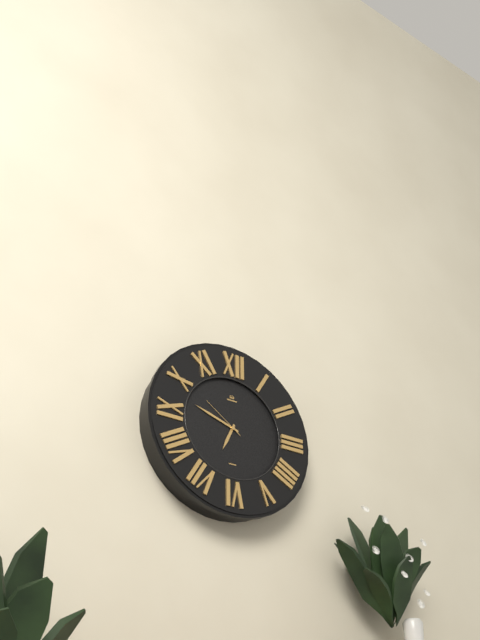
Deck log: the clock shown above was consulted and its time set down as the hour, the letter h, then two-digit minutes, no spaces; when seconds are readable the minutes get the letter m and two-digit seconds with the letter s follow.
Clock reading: 6h48
